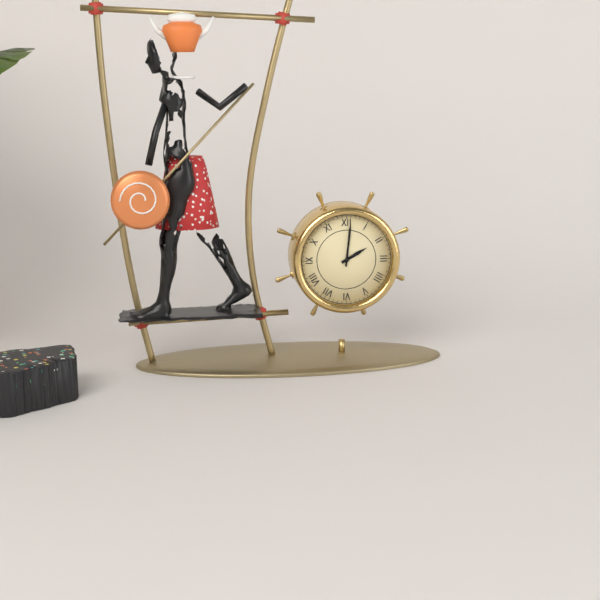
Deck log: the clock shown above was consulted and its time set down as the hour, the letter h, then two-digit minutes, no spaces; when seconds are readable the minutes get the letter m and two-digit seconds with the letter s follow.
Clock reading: 2h01
